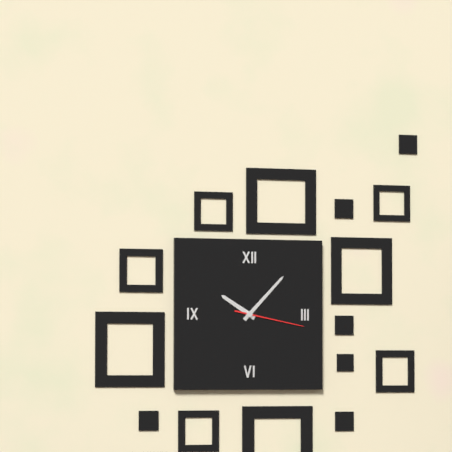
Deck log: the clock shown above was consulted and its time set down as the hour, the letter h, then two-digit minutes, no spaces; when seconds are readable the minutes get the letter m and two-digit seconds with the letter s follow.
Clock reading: 10h07m17s
